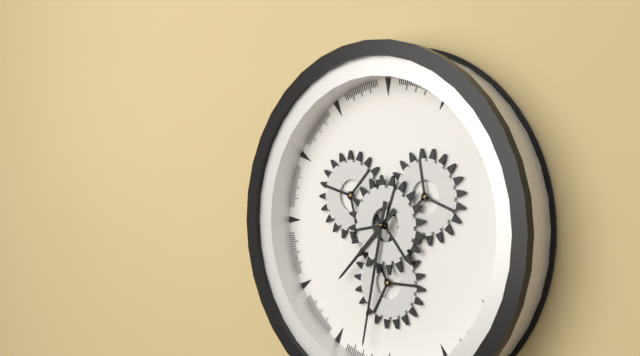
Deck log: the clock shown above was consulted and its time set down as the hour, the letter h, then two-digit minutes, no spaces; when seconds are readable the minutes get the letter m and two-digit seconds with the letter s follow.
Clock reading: 7h32
